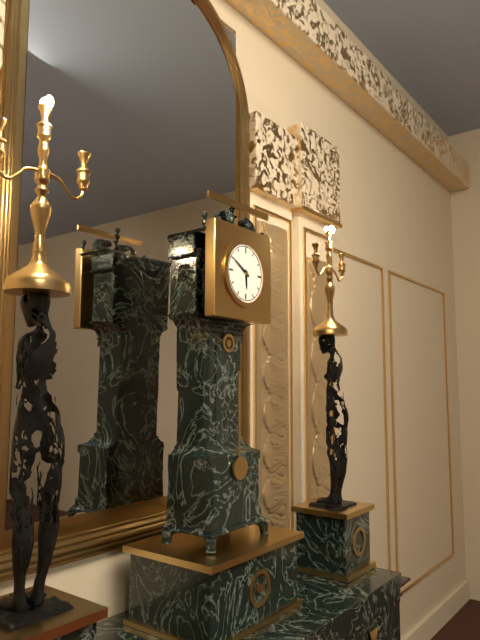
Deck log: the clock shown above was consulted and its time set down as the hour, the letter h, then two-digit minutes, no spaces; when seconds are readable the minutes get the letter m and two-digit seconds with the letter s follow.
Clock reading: 5h50
